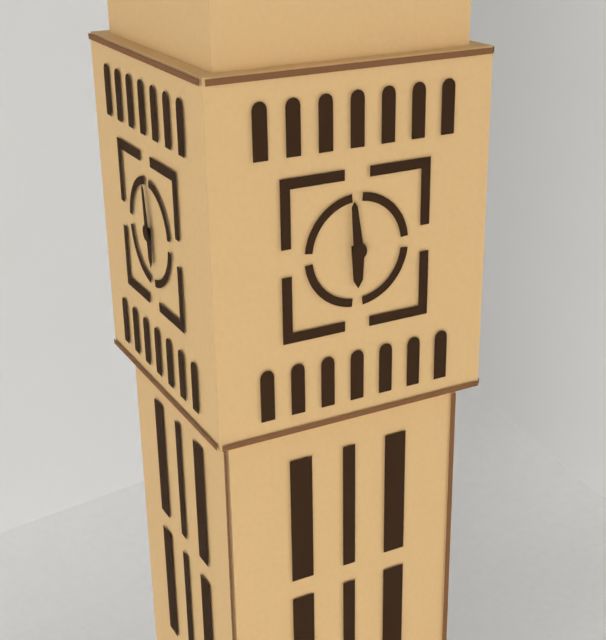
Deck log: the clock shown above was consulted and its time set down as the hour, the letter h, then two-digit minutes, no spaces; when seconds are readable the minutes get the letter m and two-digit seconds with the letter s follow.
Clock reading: 5h59
